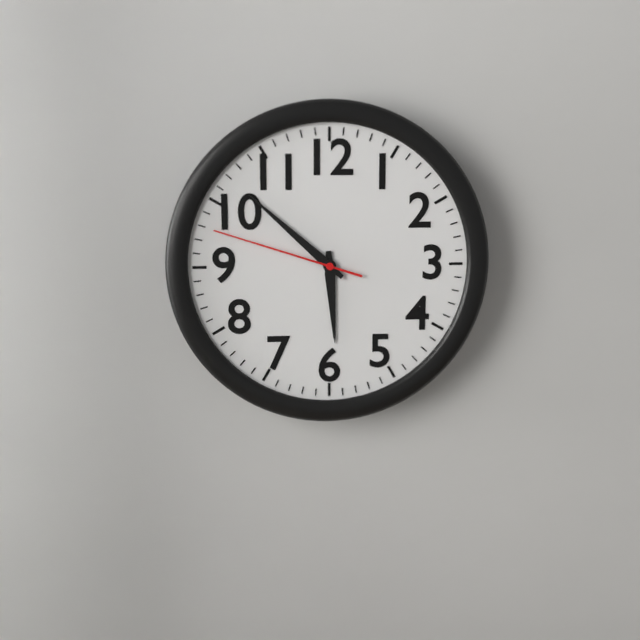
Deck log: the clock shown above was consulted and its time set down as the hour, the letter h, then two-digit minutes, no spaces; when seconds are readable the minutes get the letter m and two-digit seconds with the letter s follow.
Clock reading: 5h52m48s
